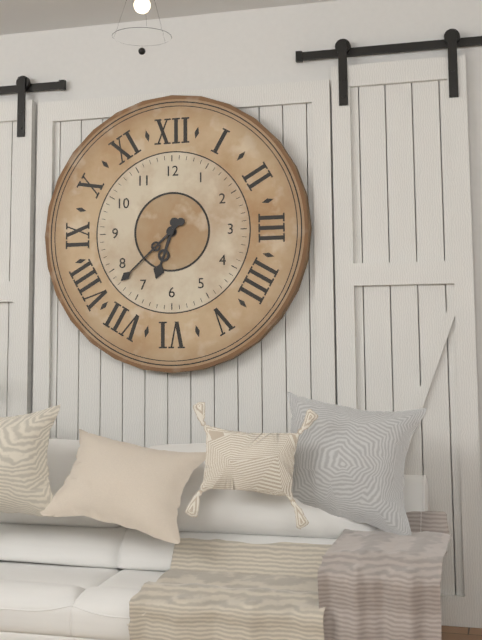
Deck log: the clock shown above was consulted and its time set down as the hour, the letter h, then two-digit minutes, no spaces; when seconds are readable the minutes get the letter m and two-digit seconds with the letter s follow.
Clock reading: 6h38
